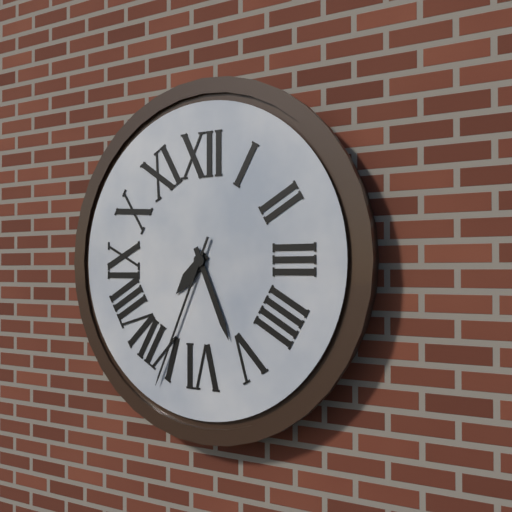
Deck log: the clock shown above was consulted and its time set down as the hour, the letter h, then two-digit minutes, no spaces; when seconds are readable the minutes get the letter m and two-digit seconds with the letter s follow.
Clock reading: 7h26m34s
